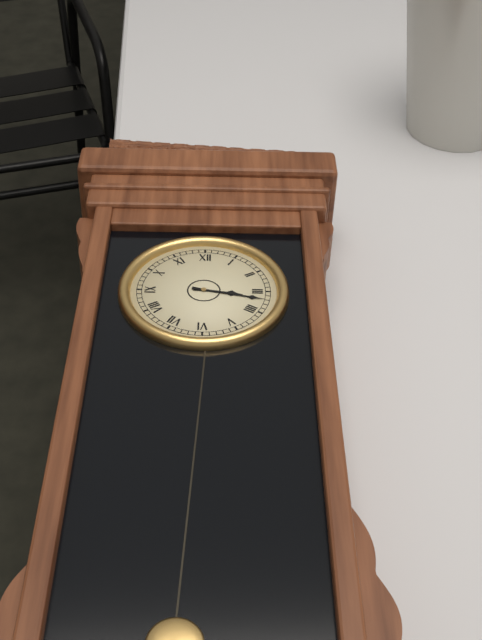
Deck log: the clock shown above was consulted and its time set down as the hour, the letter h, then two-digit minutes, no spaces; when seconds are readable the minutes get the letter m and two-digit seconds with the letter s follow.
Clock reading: 3h17
